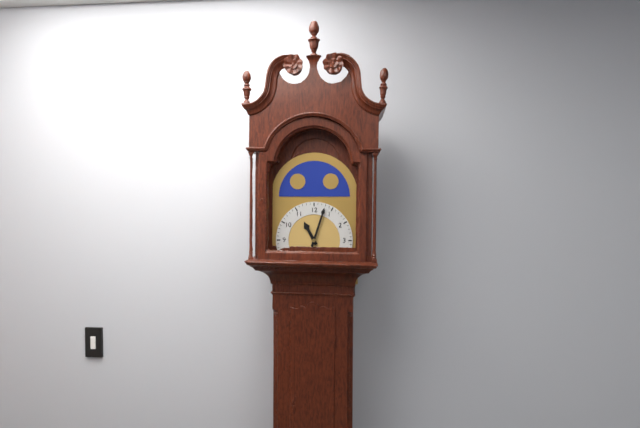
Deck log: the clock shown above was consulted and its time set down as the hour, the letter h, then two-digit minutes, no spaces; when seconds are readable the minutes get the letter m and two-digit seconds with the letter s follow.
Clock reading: 11h03
